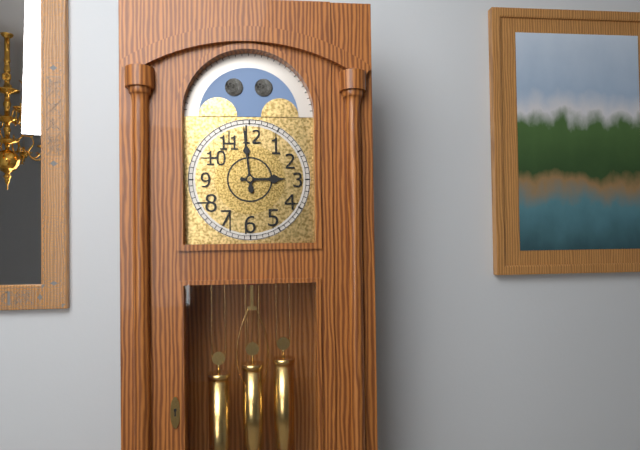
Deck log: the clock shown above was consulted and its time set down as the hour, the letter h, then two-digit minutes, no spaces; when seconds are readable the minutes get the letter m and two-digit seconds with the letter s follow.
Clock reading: 2h59
